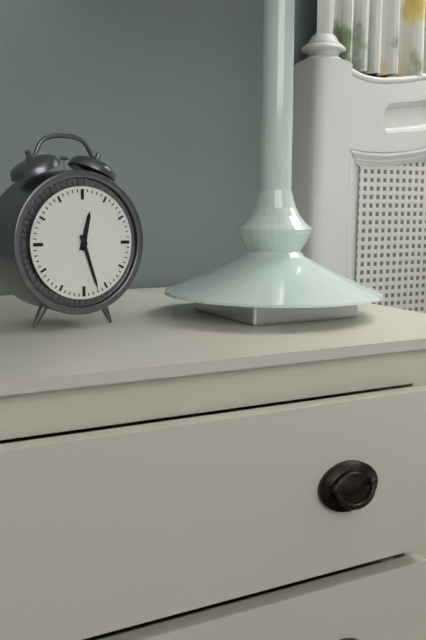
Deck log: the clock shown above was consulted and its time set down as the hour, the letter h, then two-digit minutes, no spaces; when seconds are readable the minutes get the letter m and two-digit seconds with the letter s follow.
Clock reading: 12h27
